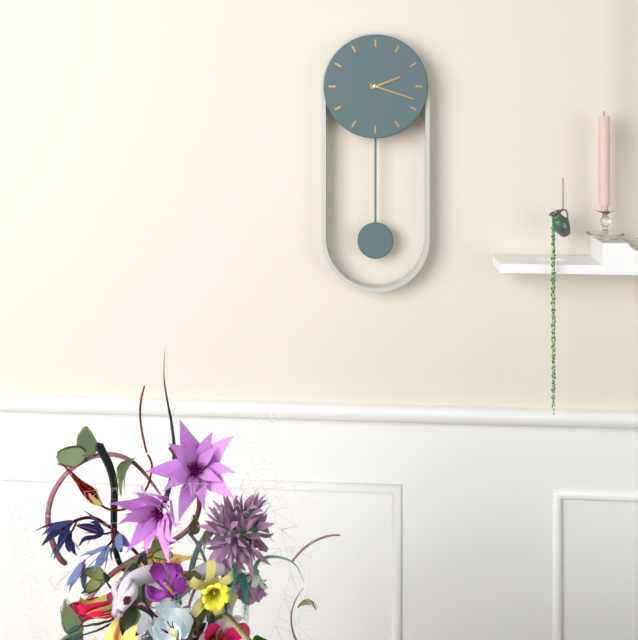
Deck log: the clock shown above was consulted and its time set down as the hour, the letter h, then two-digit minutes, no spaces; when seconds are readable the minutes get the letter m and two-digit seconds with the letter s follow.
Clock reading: 2h18
